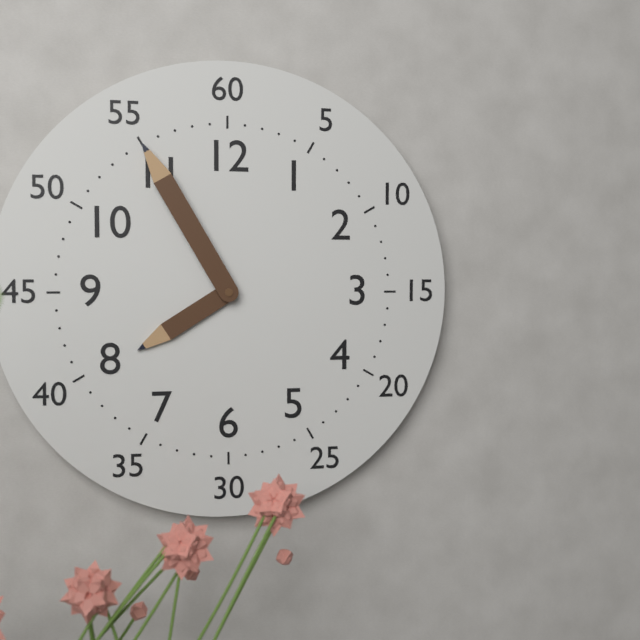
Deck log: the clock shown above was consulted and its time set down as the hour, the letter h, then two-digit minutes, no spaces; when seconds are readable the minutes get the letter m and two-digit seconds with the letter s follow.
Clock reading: 7h55
